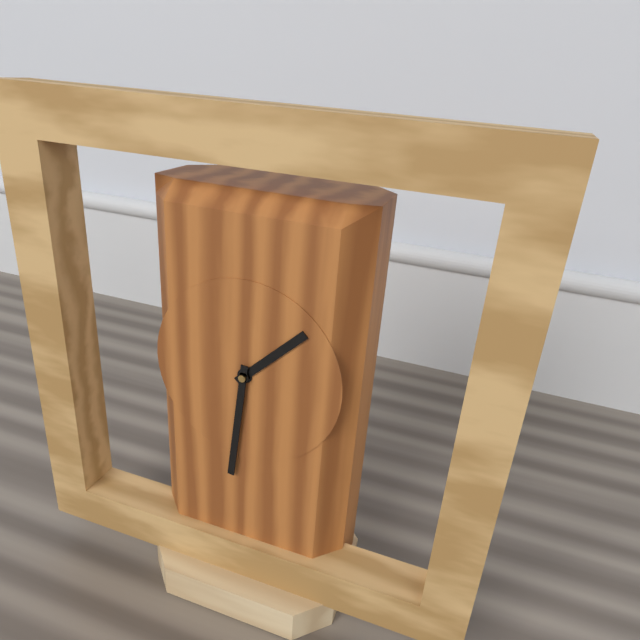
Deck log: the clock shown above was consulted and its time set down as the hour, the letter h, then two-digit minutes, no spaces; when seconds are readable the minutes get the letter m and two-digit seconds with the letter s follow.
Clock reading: 1h31
